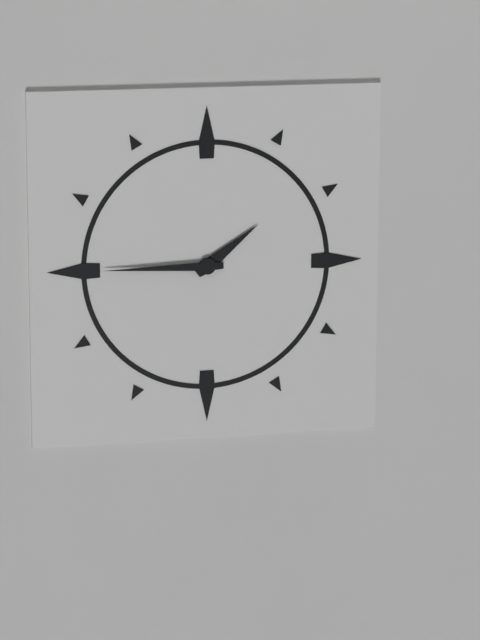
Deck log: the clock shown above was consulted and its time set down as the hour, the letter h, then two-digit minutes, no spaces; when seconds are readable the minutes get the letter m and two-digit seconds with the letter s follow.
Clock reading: 1h45
